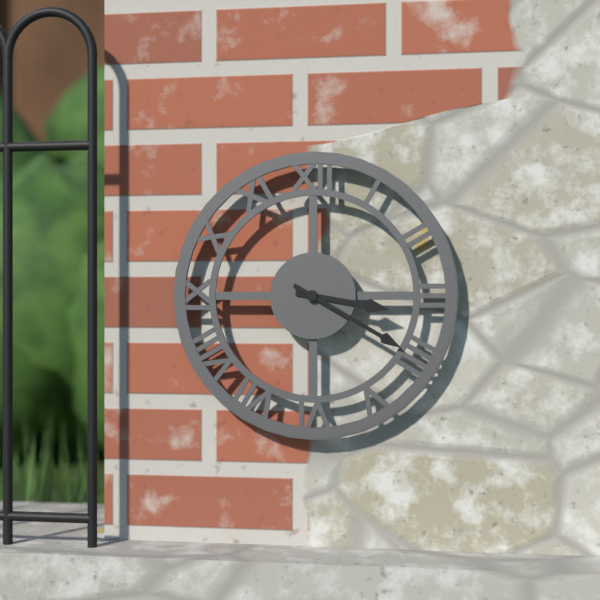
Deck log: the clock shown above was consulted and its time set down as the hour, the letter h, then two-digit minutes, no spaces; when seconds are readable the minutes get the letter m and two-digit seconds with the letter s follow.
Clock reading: 3h20
